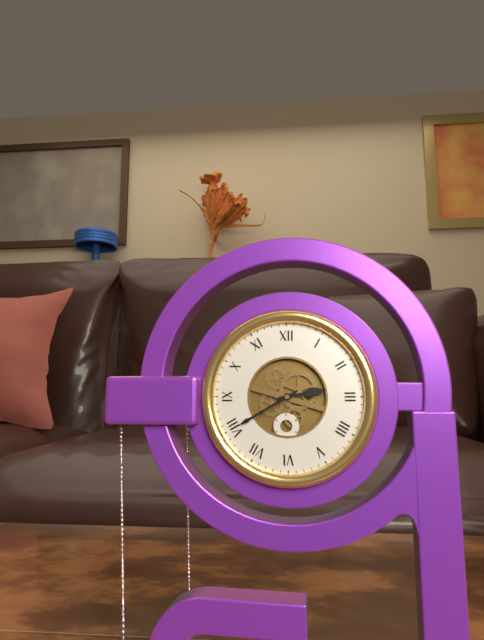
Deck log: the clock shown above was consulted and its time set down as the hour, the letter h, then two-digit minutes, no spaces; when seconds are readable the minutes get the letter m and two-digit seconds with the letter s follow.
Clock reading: 2h40
